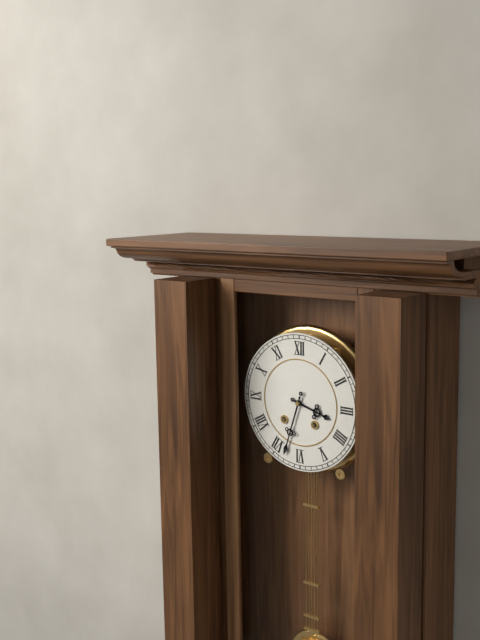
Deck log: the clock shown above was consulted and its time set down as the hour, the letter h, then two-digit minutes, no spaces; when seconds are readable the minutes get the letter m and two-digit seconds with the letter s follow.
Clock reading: 3h33
